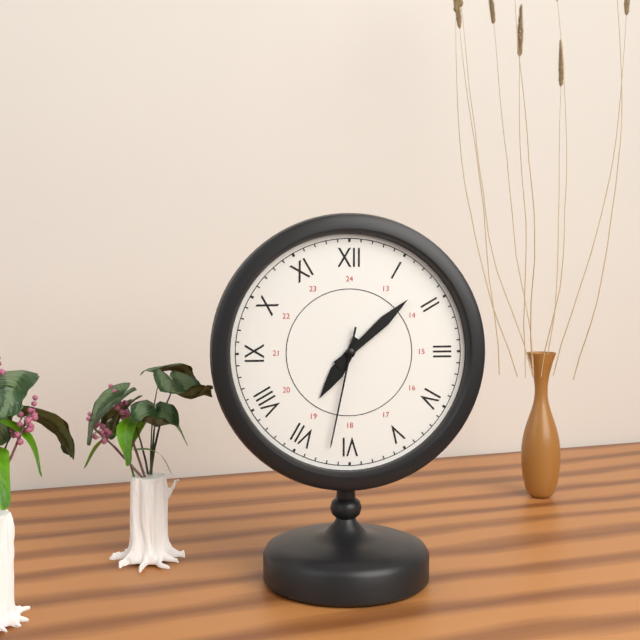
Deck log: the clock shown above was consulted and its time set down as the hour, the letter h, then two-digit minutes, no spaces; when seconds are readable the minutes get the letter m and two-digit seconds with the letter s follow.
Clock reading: 7h08m32s
